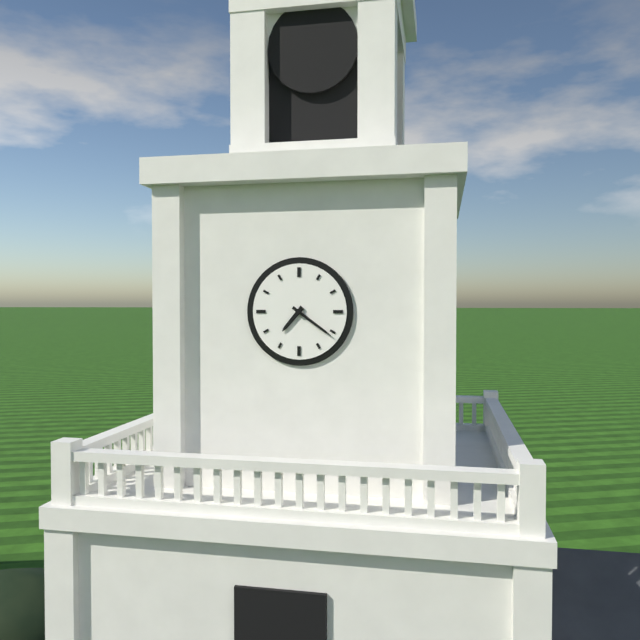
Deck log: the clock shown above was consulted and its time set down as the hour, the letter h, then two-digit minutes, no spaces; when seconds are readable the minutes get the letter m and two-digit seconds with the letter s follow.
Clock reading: 7h21
